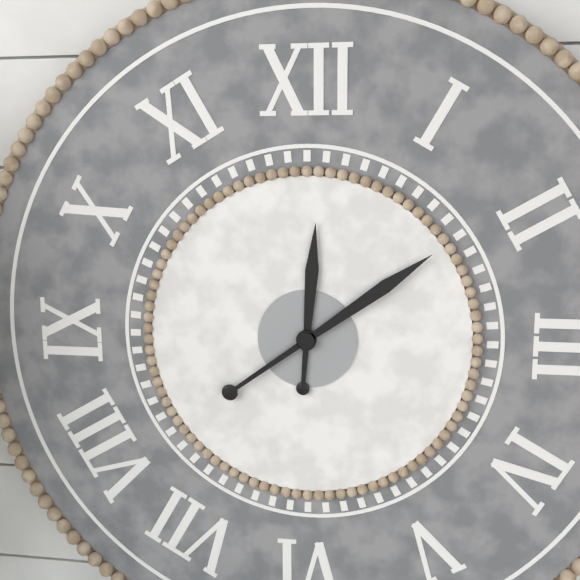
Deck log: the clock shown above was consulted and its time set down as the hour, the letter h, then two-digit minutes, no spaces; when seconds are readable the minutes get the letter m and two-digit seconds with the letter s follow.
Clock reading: 12h09
